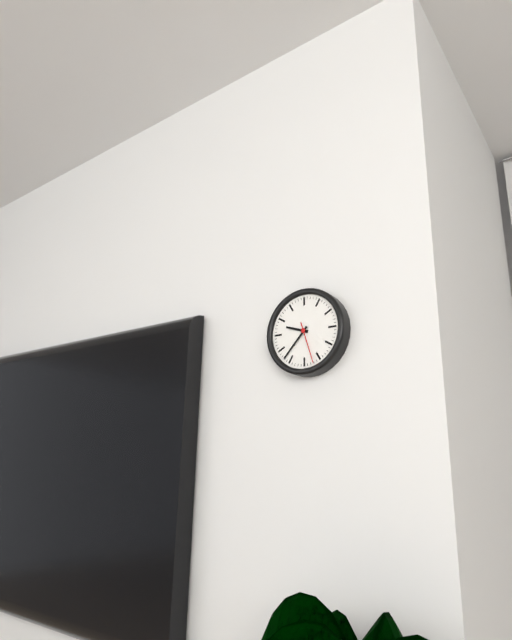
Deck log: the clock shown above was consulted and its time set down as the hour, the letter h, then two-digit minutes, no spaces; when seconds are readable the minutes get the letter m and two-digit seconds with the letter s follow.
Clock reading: 9h37
